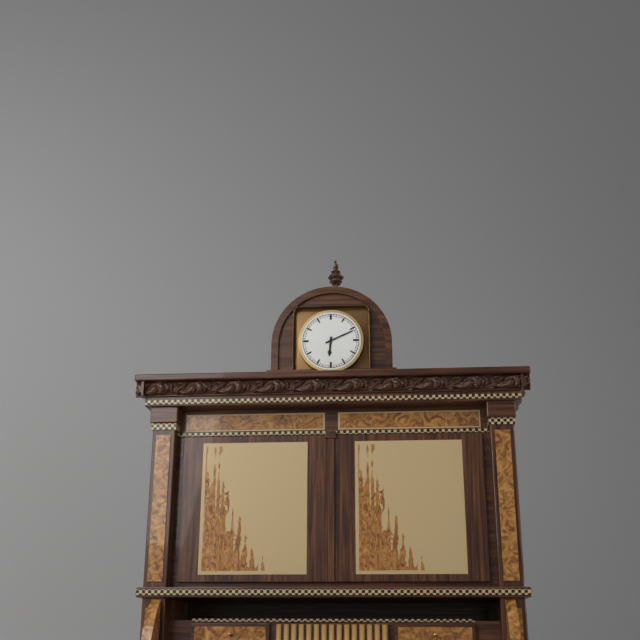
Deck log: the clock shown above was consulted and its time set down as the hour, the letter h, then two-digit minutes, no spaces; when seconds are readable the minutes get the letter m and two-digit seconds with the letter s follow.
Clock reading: 6h11
